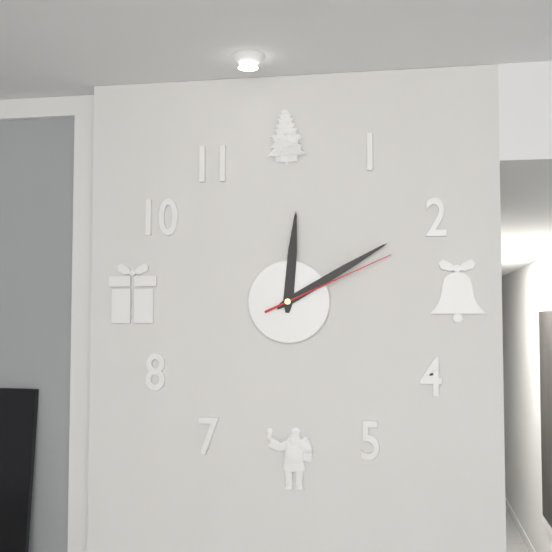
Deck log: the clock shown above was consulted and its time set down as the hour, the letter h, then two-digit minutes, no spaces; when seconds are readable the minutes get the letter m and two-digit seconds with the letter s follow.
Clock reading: 12h10m11s
